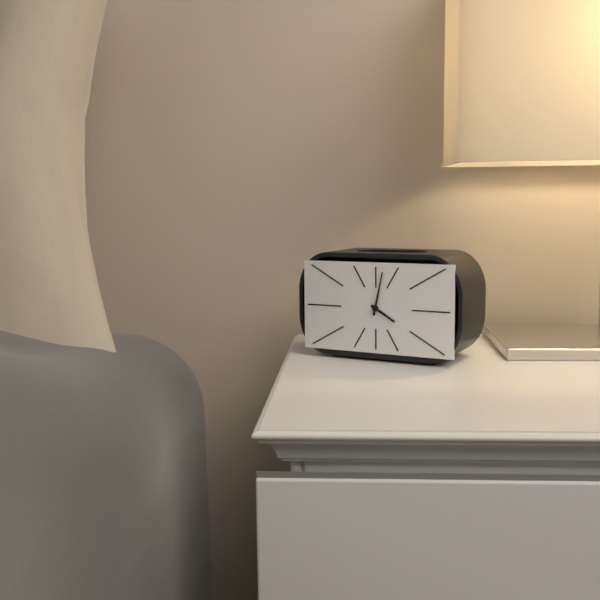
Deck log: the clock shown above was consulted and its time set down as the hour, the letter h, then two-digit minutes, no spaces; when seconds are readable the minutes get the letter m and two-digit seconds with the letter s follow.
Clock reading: 4h02
